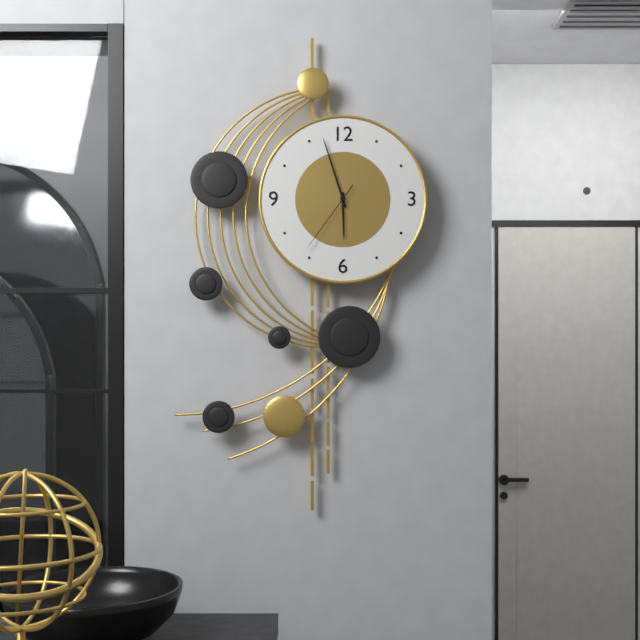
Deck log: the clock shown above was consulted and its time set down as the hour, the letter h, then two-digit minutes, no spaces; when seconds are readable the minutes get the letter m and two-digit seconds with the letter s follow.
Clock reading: 5h57m36s
